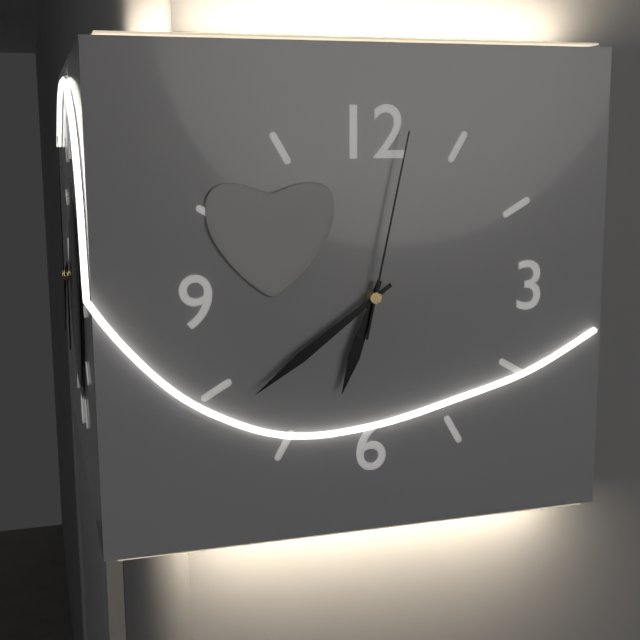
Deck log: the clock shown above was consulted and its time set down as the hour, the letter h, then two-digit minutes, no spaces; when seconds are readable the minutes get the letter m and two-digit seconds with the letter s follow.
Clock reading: 6h39m02s
